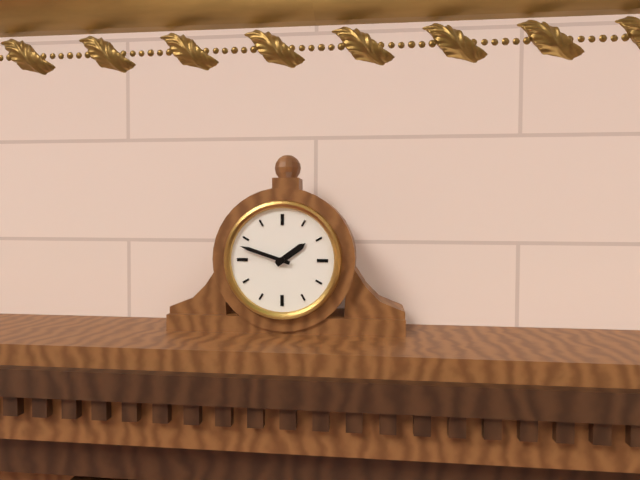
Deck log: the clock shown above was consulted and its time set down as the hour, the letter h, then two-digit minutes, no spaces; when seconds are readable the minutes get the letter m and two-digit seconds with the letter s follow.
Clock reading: 1h48
